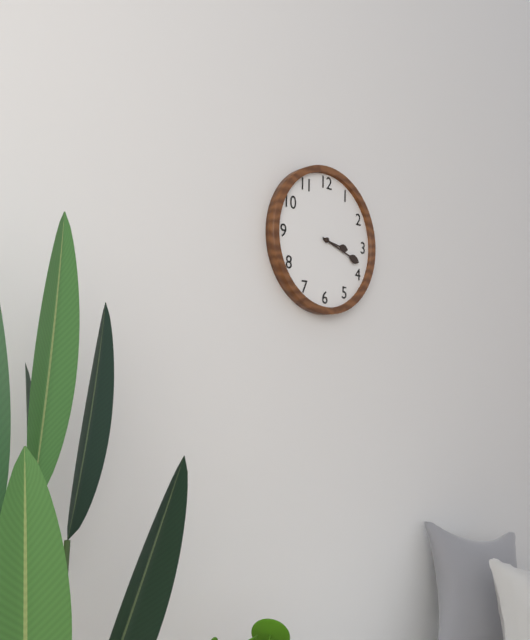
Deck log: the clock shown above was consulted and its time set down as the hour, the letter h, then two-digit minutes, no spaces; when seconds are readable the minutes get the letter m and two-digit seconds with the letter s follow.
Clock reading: 3h18
